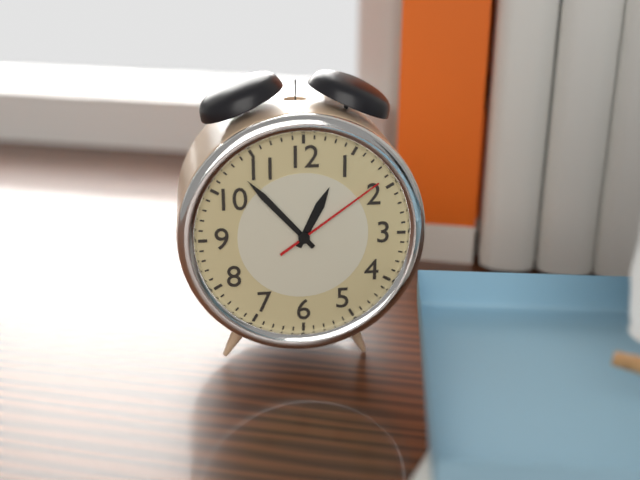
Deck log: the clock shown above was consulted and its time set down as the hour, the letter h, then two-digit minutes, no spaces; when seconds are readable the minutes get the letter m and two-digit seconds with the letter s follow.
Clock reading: 12h53m09s
